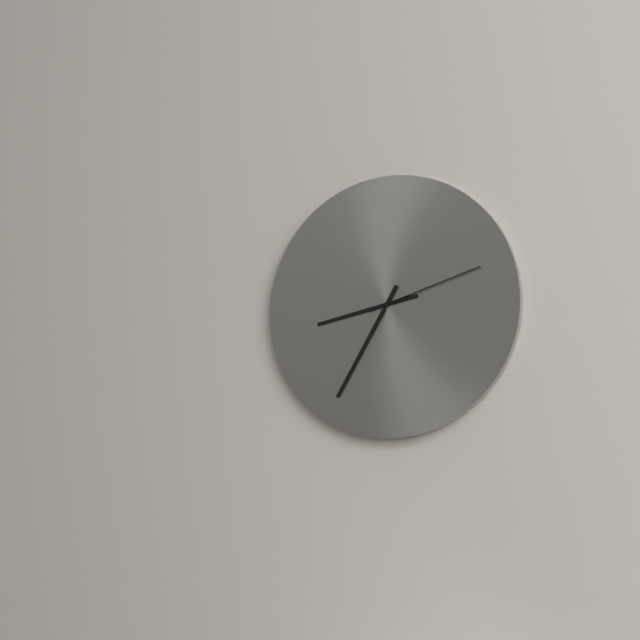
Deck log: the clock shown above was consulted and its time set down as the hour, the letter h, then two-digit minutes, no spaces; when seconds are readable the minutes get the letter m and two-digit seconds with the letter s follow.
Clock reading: 8h35m12s
